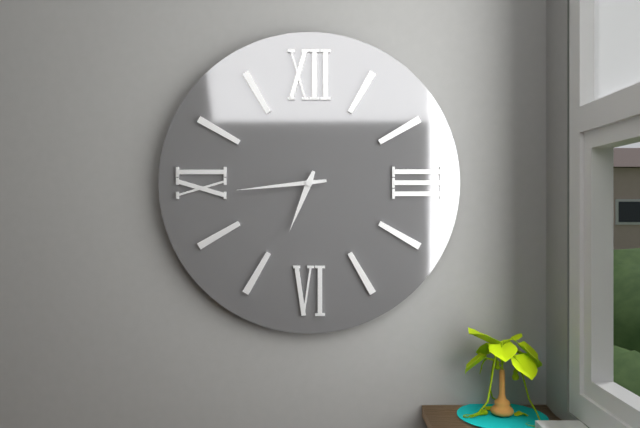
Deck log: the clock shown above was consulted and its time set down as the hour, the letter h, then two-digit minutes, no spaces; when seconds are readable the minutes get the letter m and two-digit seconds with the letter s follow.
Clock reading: 6h44
